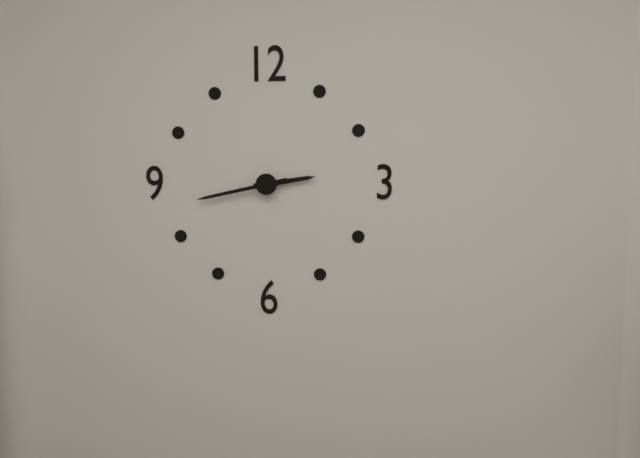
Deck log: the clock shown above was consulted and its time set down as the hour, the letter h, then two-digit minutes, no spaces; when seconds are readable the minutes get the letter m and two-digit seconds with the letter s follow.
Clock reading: 2h43
